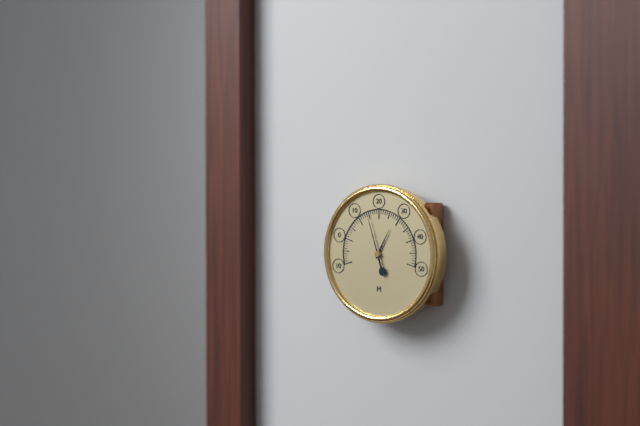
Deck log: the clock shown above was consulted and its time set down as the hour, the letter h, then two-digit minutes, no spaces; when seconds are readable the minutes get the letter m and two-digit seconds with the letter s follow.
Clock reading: 12h57
